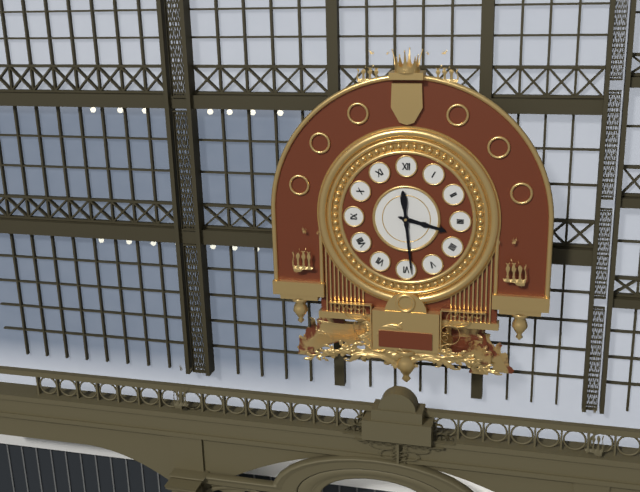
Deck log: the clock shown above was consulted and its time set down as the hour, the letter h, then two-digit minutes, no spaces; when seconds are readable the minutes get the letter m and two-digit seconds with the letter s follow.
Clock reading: 3h29
